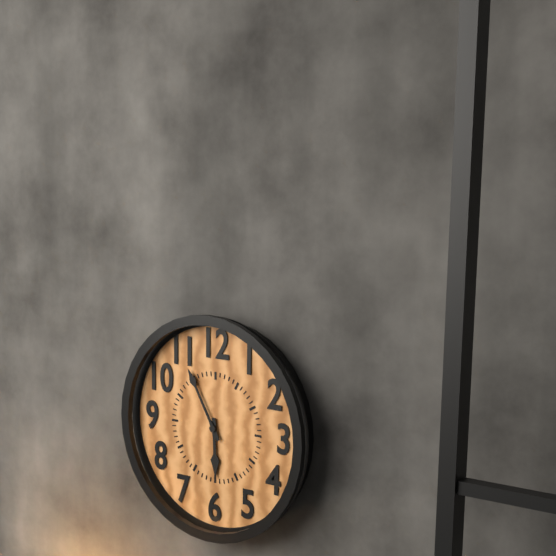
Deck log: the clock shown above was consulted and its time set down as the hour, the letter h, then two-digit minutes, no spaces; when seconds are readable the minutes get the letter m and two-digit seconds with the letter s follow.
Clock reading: 5h55
